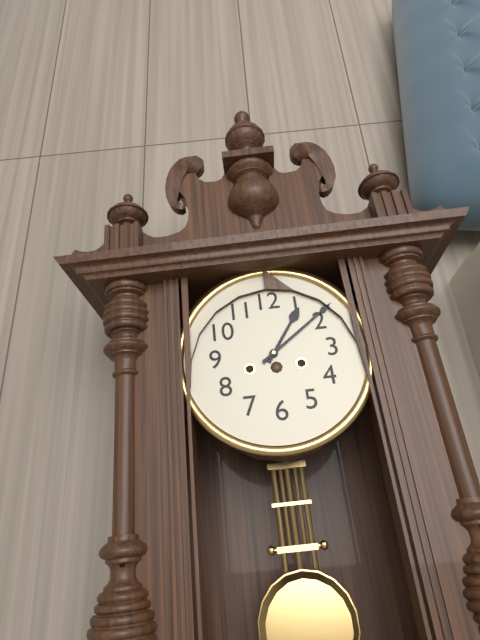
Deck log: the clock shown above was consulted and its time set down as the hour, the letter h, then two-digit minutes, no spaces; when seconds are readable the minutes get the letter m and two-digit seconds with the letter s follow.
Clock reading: 1h09
